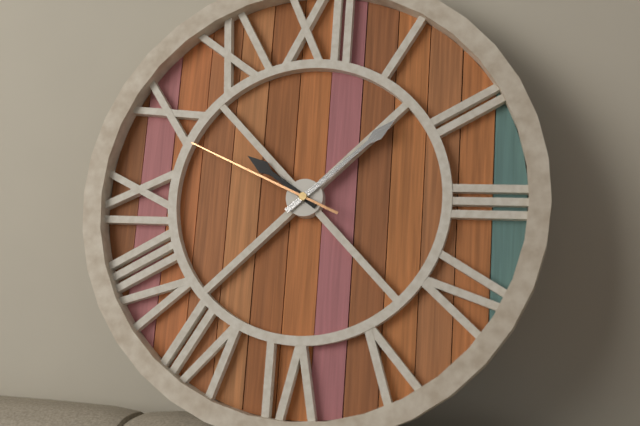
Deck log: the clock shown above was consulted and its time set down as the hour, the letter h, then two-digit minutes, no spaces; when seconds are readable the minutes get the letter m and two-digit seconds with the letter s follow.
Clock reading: 10h08m49s
